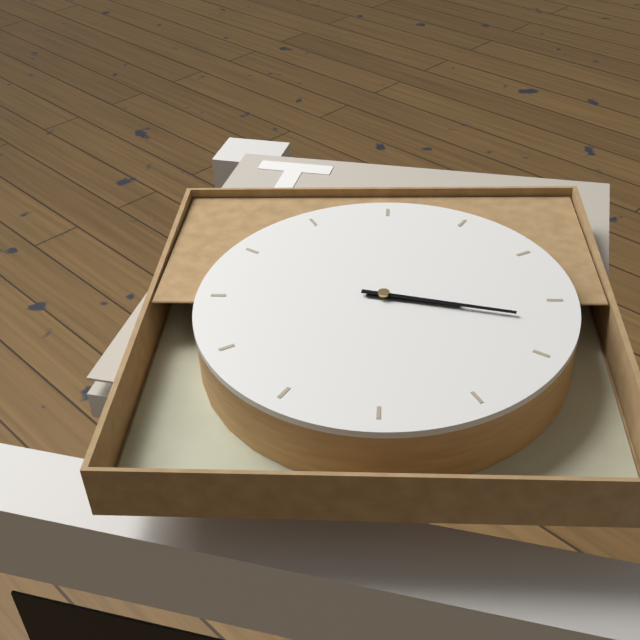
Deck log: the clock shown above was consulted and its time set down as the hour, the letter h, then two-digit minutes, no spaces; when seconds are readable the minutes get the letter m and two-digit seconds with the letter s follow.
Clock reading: 4h22
